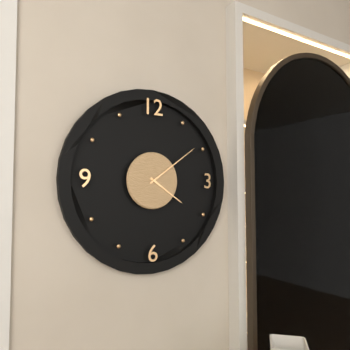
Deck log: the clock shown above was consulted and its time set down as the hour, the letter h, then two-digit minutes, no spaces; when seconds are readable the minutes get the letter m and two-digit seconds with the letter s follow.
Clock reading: 4h09
